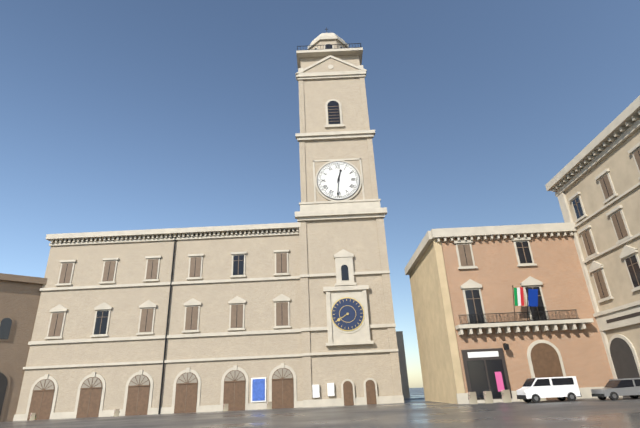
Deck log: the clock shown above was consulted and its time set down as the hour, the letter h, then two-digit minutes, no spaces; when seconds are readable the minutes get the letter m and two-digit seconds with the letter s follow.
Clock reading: 12h31
